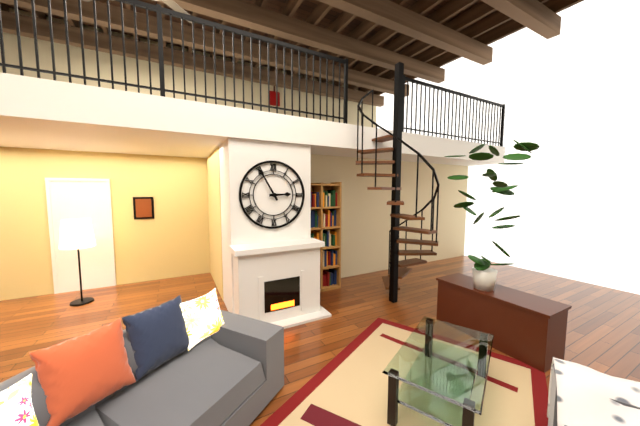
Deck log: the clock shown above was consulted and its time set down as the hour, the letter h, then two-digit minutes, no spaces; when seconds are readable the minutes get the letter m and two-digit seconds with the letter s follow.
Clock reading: 2h55
